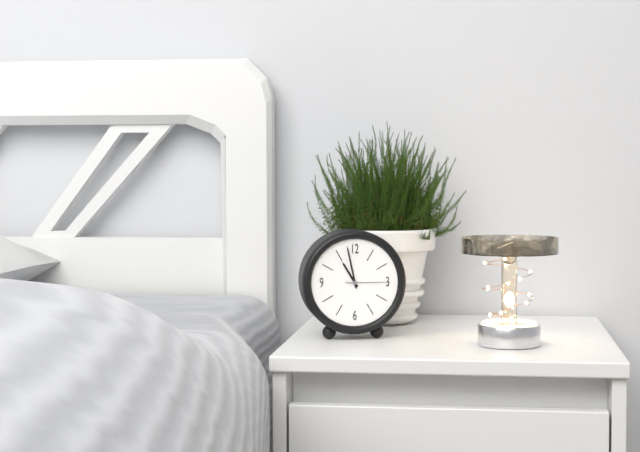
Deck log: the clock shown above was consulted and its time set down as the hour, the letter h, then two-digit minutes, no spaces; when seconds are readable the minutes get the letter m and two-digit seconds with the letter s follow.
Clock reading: 10h58
